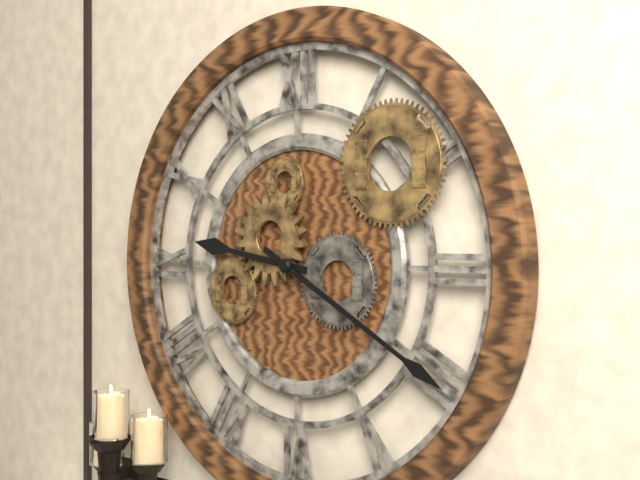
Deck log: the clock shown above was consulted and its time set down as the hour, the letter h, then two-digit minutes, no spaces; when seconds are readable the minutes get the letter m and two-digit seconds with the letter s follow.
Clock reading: 9h20
